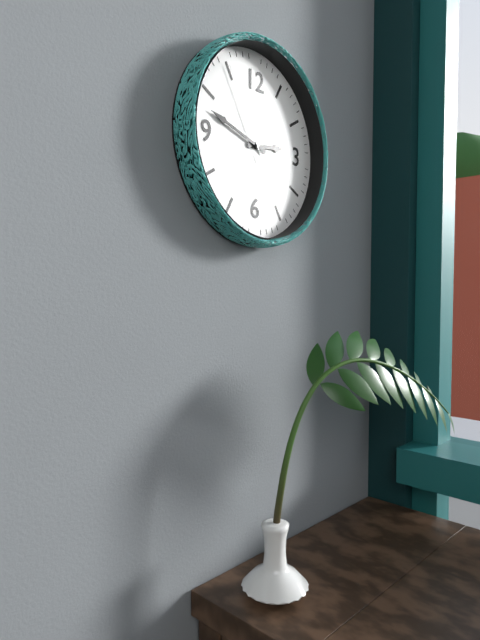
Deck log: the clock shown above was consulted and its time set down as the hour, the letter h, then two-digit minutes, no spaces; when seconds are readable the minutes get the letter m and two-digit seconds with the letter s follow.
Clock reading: 2h48m55s
